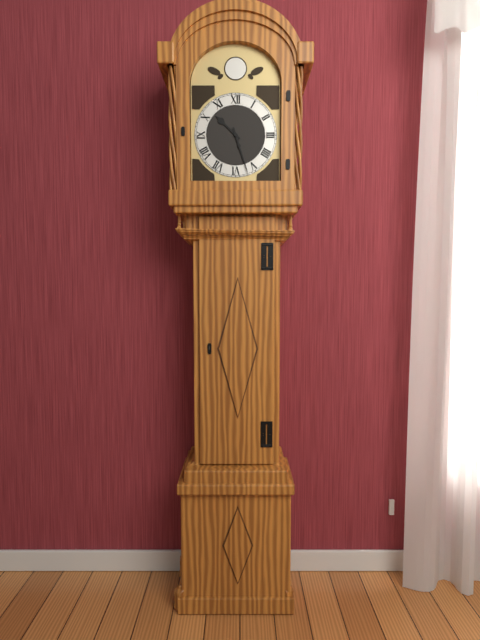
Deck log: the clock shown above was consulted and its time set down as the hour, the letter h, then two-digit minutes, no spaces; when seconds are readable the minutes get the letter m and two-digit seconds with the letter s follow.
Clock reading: 10h27
